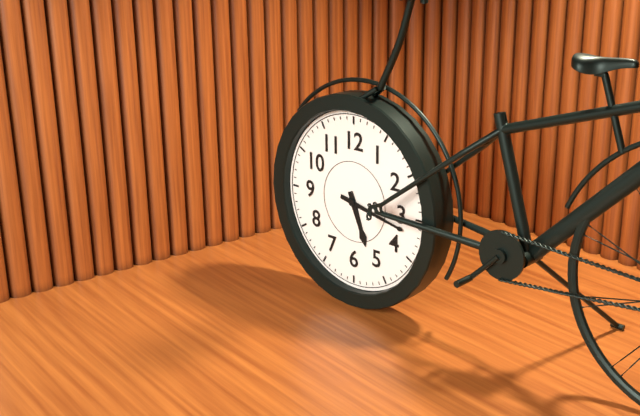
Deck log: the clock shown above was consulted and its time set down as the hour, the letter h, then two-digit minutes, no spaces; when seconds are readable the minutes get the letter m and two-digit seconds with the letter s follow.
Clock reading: 5h17
